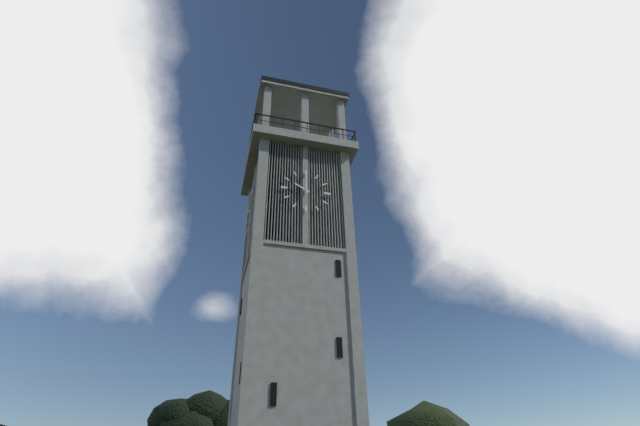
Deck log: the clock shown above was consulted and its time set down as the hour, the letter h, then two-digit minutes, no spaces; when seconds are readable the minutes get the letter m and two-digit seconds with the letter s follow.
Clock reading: 10h00
